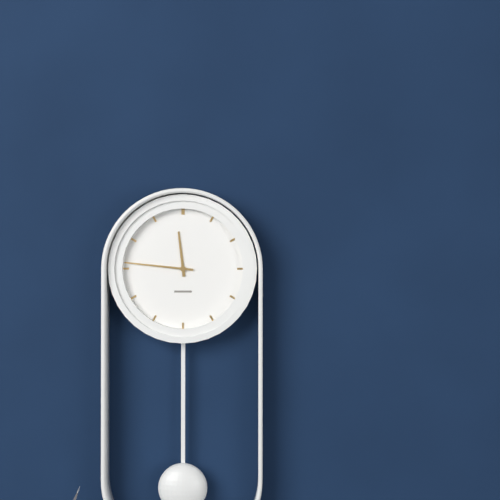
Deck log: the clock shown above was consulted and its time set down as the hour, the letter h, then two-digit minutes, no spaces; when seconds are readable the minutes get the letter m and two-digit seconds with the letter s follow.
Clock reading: 11h46
